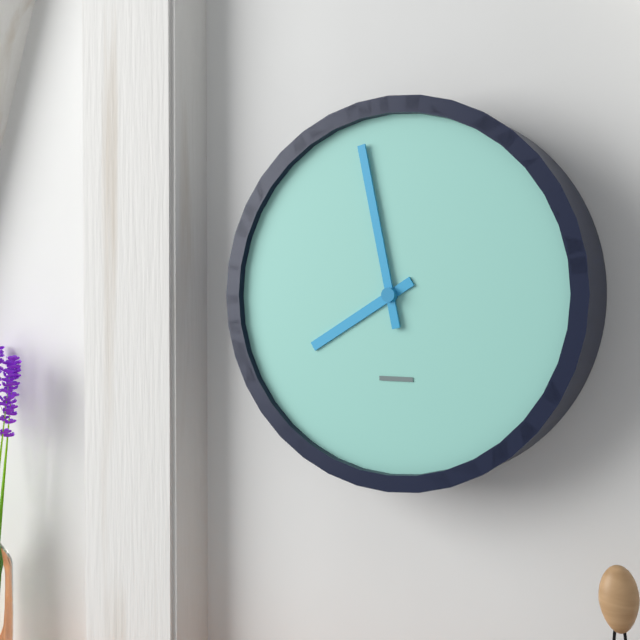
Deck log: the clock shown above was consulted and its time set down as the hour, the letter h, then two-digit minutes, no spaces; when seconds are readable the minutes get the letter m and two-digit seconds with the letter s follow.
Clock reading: 7h58
